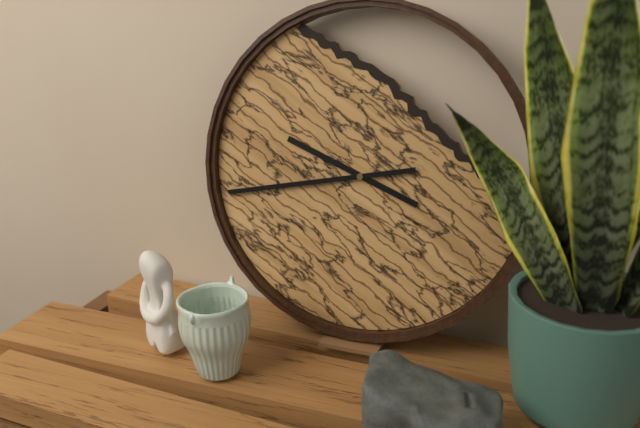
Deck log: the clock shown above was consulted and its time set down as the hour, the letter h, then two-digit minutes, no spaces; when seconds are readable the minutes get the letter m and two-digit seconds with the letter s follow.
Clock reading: 9h43
